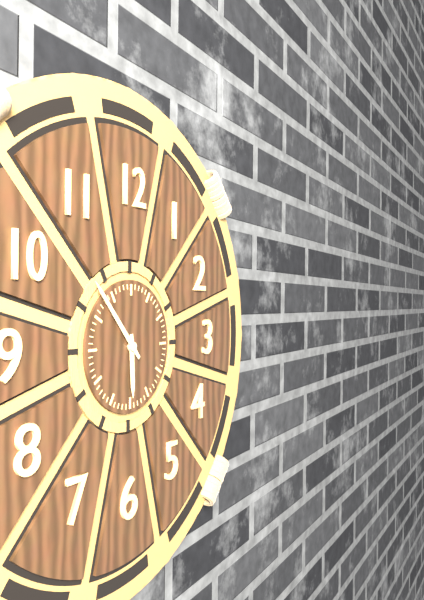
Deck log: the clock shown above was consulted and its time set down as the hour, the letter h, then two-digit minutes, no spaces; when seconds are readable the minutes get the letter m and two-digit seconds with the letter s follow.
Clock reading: 5h53
